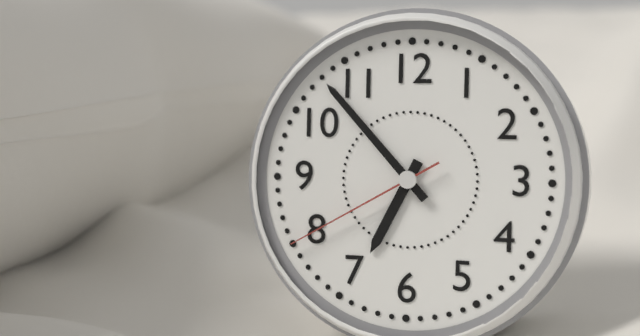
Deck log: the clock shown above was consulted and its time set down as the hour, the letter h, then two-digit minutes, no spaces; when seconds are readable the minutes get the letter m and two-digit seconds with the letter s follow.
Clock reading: 6h53m40s
